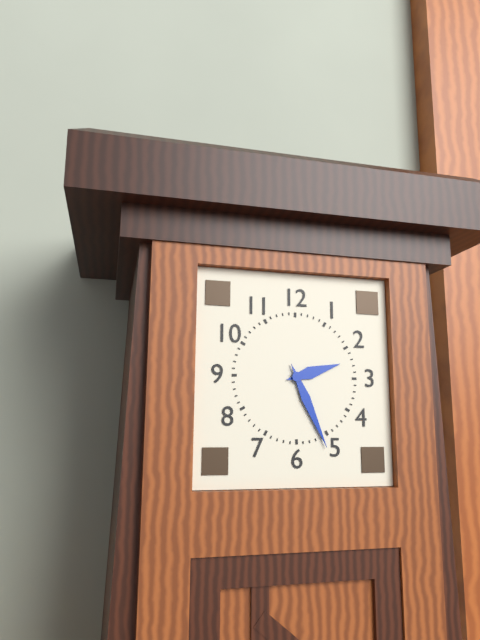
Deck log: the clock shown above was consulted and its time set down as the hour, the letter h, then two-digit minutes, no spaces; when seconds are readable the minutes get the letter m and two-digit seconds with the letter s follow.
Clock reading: 2h26
